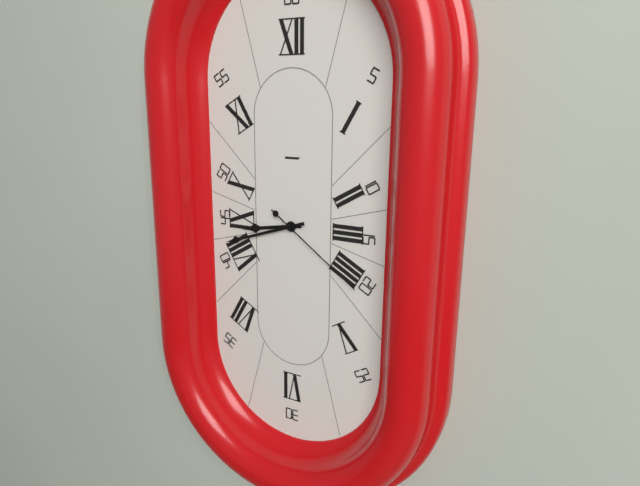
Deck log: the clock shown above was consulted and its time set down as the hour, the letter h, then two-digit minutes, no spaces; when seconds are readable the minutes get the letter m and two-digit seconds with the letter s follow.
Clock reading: 8h42m21s
